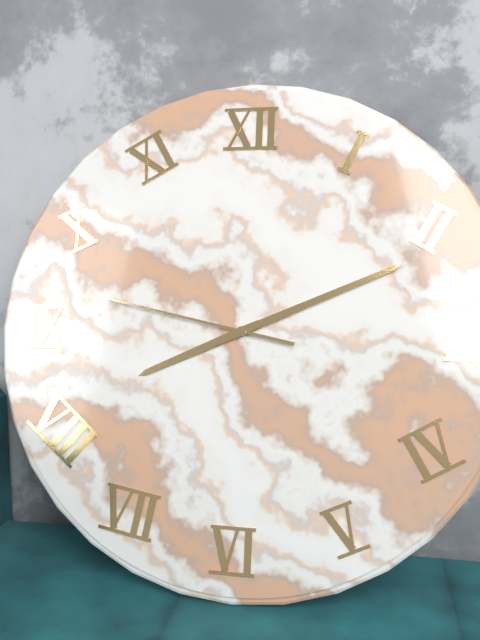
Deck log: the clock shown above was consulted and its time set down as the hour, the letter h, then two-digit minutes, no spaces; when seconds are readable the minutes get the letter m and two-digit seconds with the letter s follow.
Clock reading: 8h11m47s
